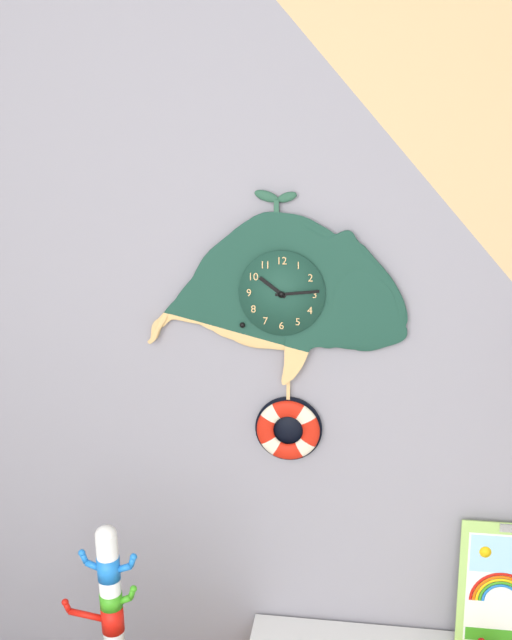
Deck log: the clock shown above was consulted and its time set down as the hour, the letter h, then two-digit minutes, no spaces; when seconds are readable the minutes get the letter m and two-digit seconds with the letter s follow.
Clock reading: 10h14
